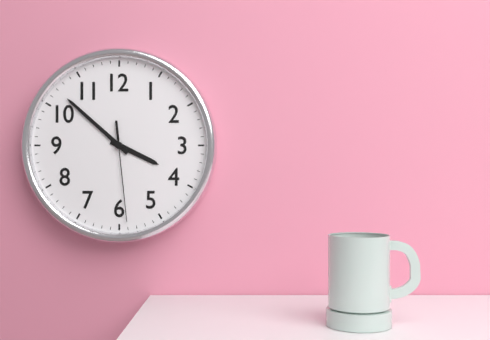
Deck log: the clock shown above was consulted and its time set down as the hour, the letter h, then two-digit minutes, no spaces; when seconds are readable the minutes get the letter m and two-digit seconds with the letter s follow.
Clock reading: 3h52m29s
